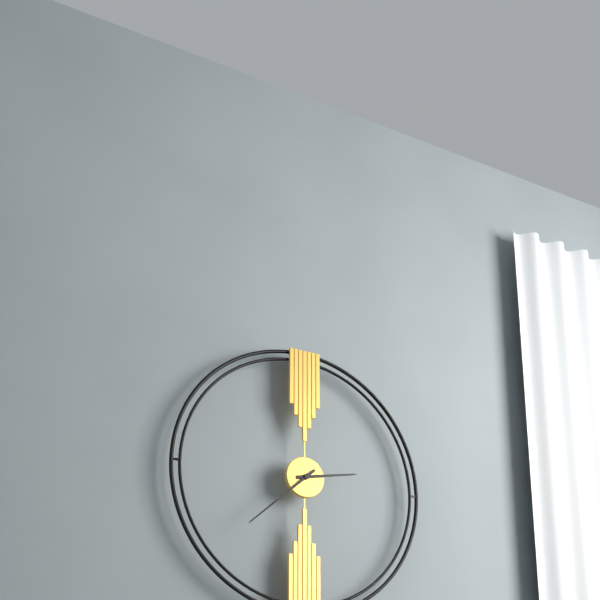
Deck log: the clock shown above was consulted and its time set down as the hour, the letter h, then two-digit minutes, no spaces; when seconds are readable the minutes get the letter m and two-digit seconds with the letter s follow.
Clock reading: 2h38
